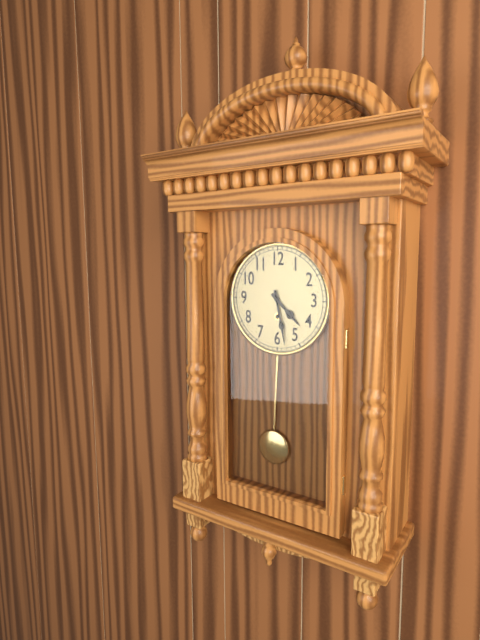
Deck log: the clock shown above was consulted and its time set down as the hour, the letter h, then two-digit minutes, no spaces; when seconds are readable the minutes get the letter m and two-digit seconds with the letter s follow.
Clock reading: 4h28
